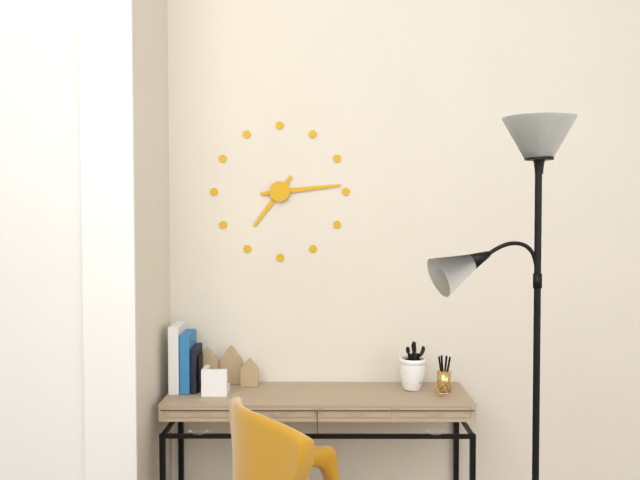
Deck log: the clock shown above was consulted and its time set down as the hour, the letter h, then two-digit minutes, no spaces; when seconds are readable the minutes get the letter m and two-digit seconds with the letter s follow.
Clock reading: 7h14
